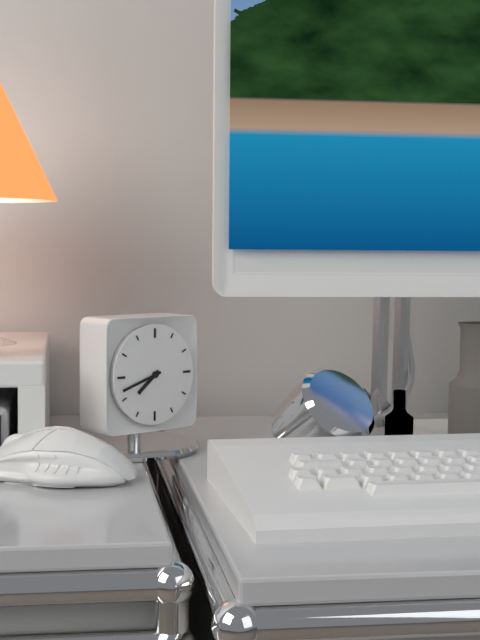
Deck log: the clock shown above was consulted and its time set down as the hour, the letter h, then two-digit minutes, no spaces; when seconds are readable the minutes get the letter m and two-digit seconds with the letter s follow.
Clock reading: 7h42
